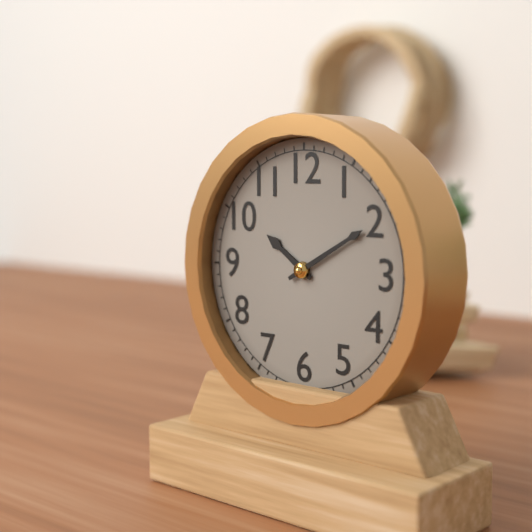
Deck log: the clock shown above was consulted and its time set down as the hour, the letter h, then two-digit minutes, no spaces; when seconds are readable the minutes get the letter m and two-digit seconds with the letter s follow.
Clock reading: 10h10
